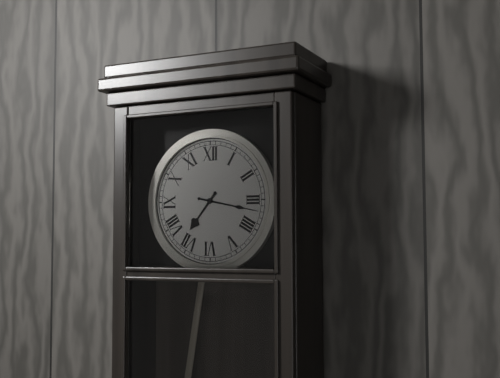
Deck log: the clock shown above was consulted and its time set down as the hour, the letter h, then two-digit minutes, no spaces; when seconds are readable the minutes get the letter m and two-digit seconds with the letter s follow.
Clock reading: 7h17
